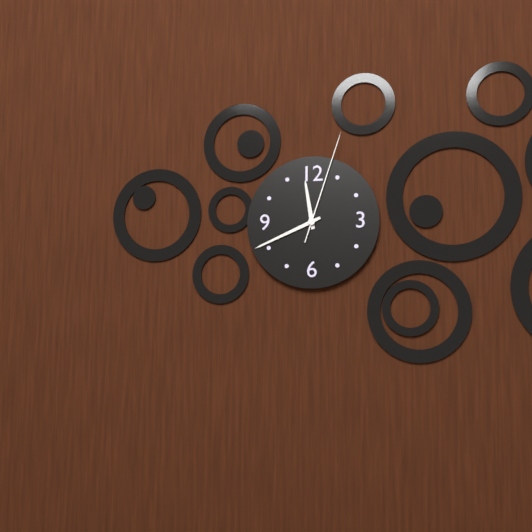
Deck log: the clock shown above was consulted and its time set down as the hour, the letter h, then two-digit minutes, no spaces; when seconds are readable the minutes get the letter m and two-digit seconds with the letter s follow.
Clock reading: 11h41m03s
